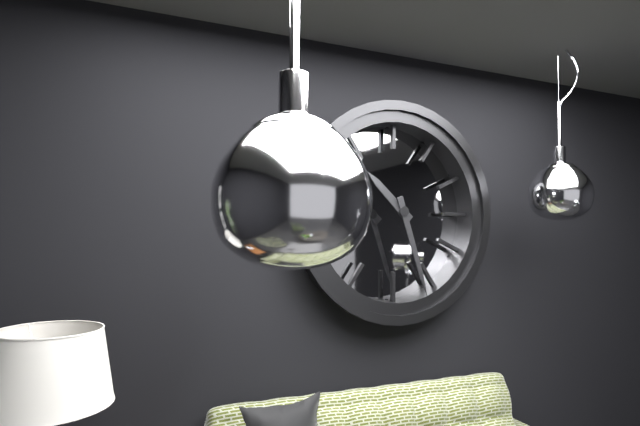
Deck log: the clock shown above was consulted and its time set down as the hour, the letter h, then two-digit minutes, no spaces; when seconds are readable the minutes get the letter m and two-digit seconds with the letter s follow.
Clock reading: 10h27
